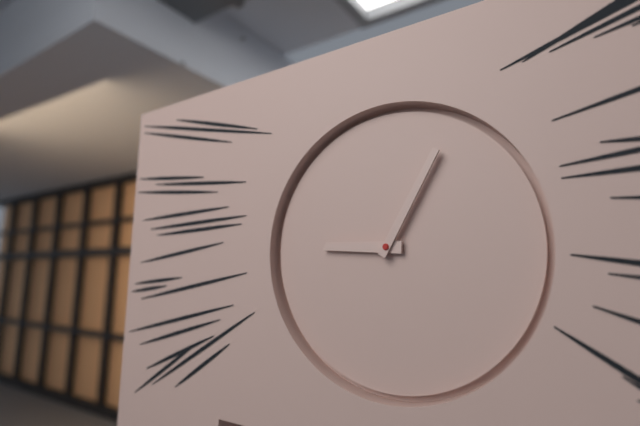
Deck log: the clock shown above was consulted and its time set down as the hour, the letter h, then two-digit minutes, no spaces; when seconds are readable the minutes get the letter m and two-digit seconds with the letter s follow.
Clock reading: 9h05
